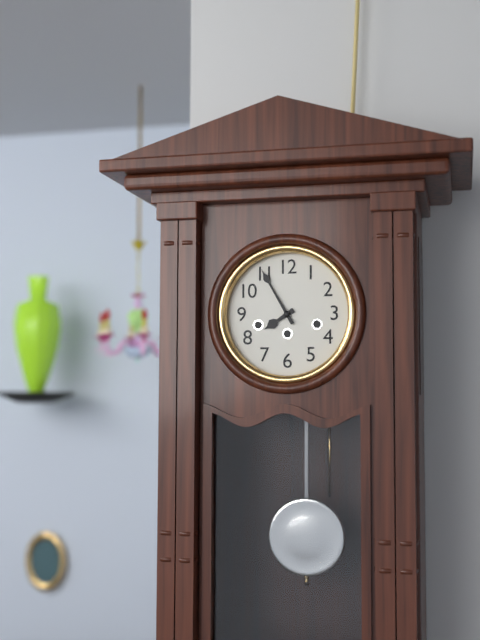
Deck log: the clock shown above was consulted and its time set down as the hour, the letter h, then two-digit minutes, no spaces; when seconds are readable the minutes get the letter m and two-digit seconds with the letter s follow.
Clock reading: 7h55
